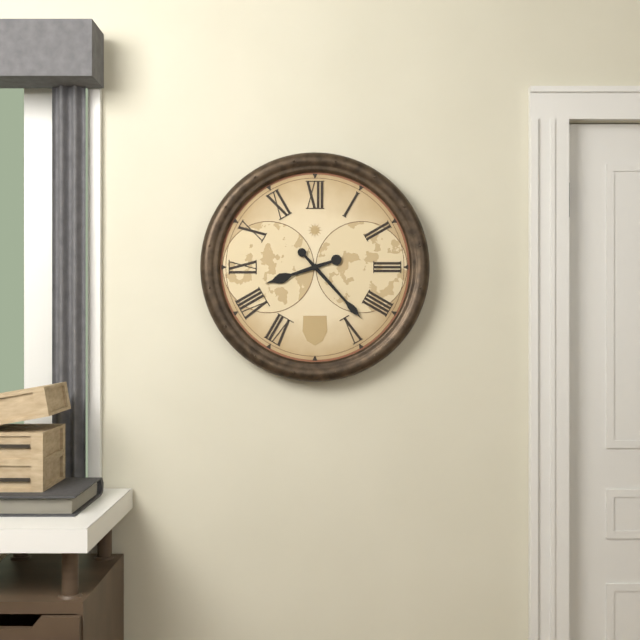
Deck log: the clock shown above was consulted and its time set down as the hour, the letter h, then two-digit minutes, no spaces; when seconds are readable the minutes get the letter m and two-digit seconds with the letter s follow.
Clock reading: 8h23
